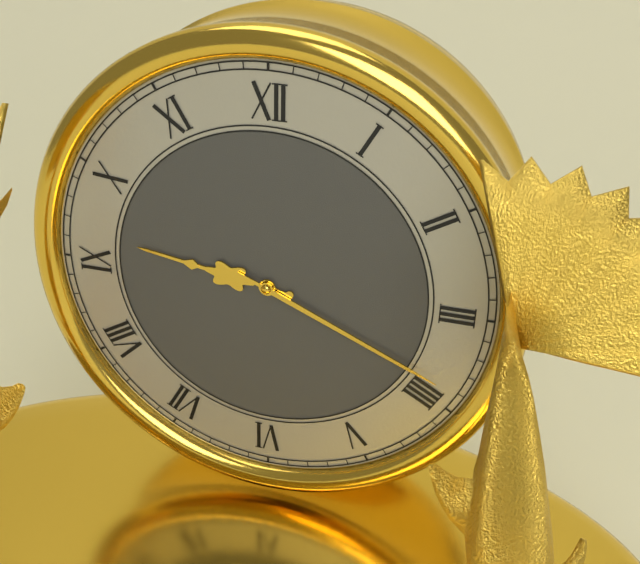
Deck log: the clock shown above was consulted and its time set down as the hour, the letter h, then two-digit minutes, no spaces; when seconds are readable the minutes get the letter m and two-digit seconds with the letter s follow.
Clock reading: 9h19
